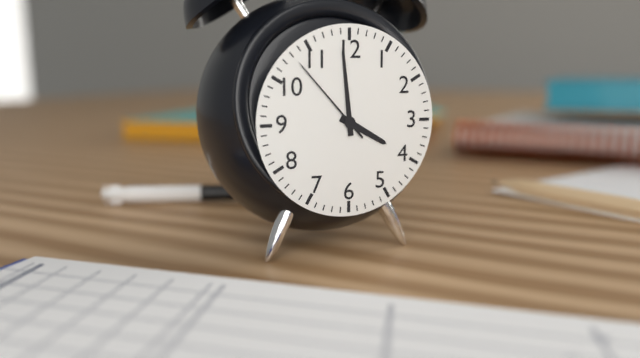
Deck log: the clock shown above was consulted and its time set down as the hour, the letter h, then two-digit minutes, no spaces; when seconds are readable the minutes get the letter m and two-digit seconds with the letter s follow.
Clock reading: 3h59m53s
